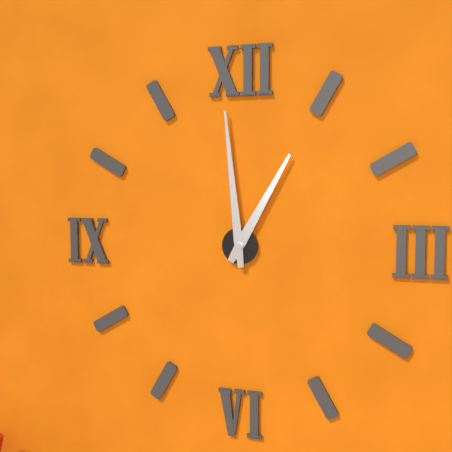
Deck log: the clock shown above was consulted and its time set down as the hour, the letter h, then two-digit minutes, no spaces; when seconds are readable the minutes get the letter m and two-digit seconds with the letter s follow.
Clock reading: 12h59
